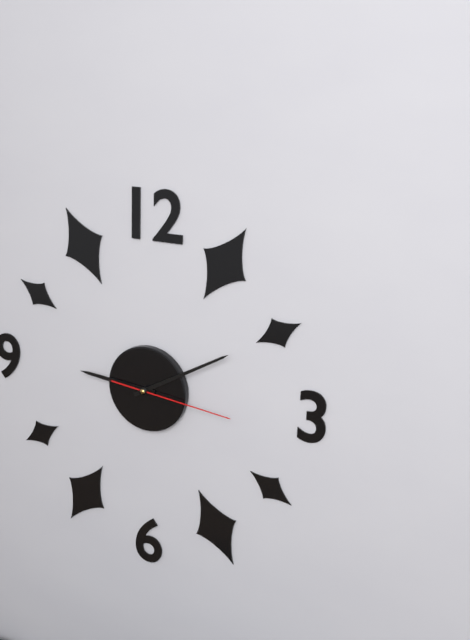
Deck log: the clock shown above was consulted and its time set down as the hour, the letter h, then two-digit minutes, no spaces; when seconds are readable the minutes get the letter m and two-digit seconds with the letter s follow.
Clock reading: 9h10m16s
